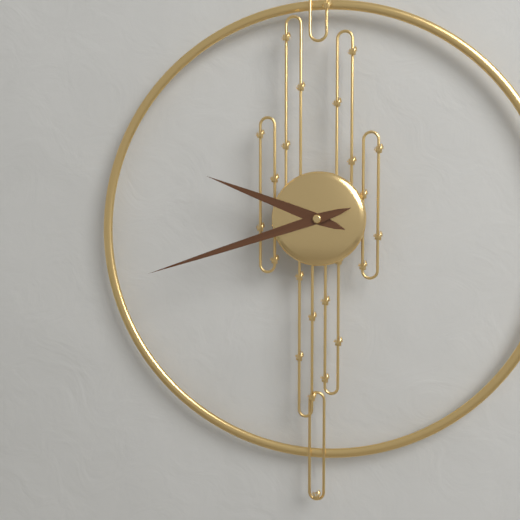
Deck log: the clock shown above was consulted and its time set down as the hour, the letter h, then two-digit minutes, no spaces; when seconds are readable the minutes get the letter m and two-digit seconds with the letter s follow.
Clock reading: 9h42
